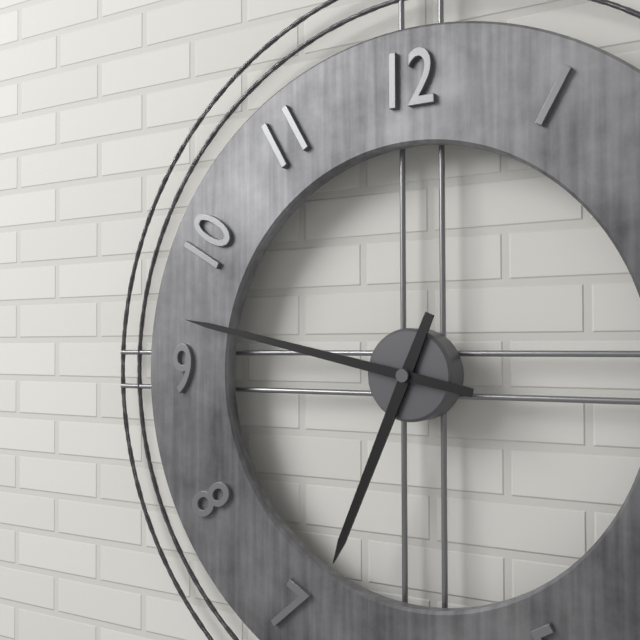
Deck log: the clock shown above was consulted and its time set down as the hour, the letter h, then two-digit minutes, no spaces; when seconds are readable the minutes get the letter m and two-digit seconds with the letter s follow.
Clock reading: 6h47
